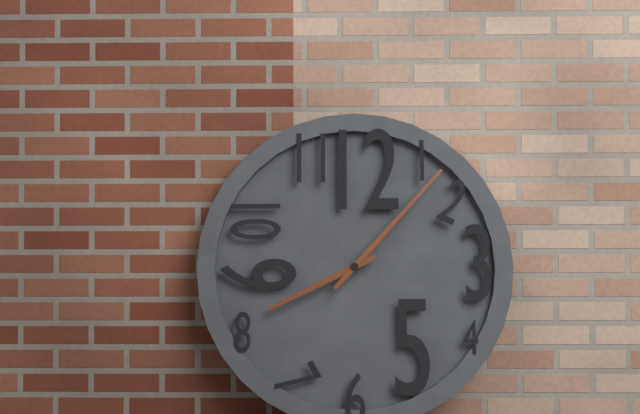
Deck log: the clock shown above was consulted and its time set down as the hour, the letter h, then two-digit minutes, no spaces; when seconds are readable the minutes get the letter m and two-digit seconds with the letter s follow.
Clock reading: 8h07
